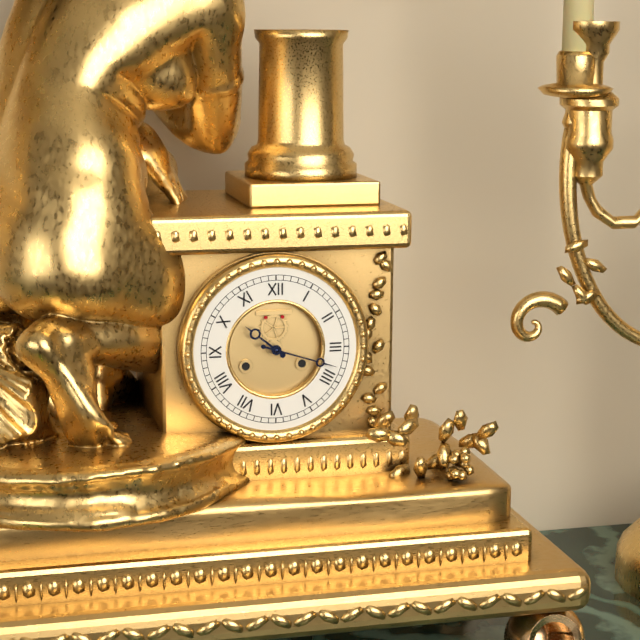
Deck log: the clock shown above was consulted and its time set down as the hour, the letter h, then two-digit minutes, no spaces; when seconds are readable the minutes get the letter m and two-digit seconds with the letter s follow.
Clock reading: 10h18
